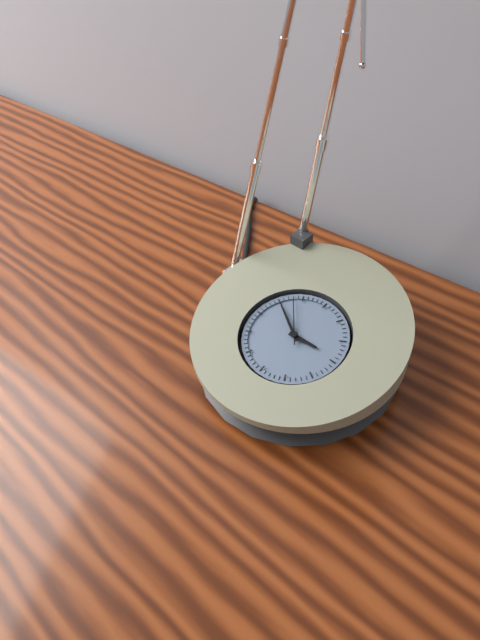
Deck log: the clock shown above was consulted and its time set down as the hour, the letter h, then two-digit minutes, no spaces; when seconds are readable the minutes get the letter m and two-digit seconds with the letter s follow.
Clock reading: 2h50
